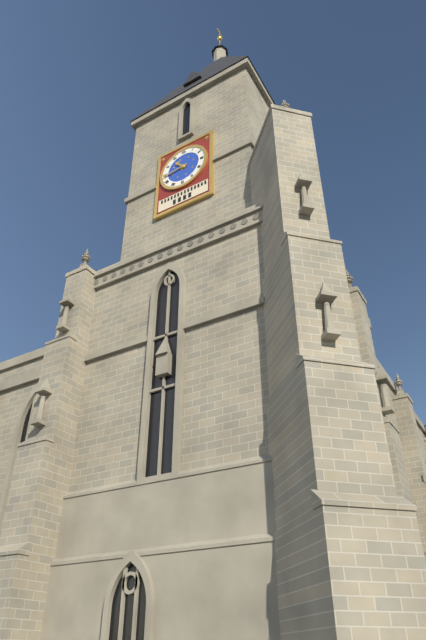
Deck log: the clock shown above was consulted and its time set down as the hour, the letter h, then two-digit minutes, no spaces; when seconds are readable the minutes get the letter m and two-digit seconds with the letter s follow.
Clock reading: 10h44
